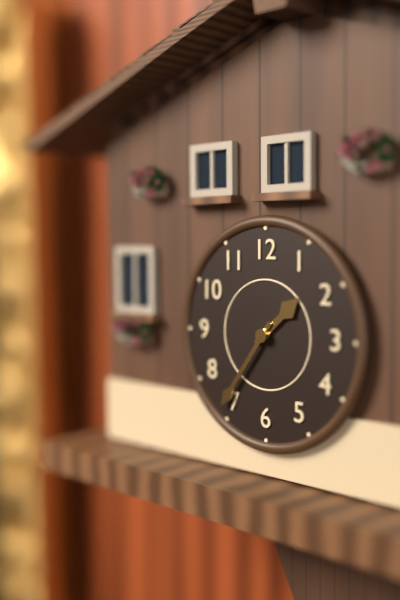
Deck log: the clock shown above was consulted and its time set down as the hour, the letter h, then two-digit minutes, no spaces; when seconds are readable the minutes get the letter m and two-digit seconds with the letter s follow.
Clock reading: 1h36
